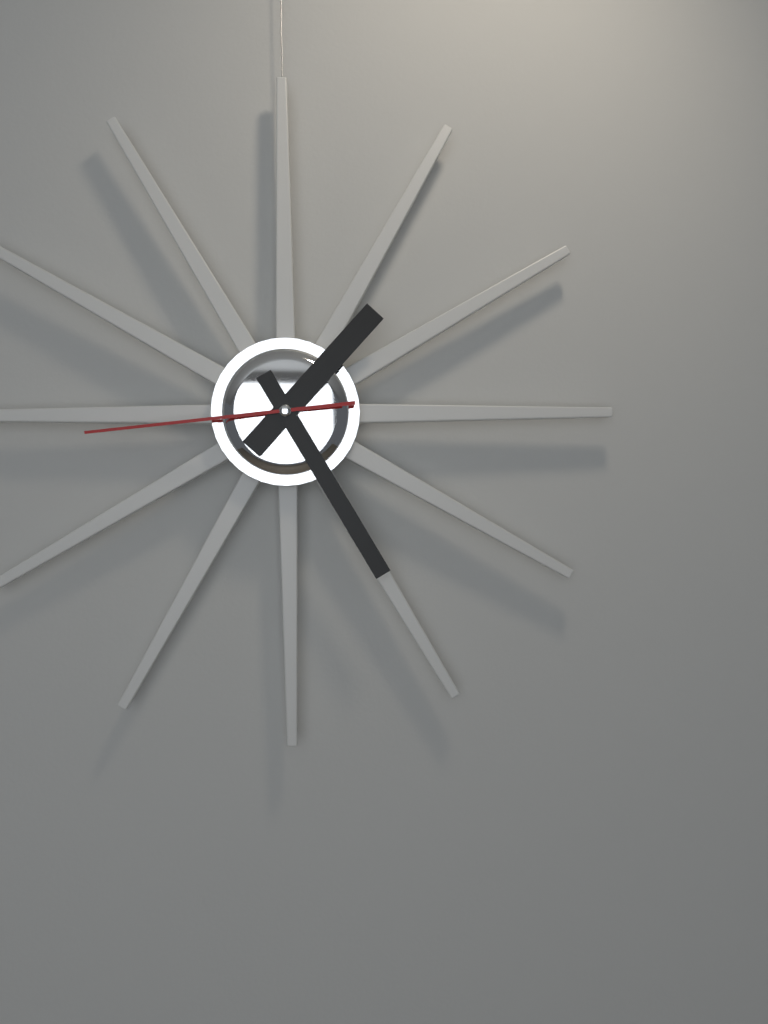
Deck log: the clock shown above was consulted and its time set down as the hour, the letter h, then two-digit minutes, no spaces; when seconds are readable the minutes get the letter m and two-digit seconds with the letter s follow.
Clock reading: 1h25m44s
